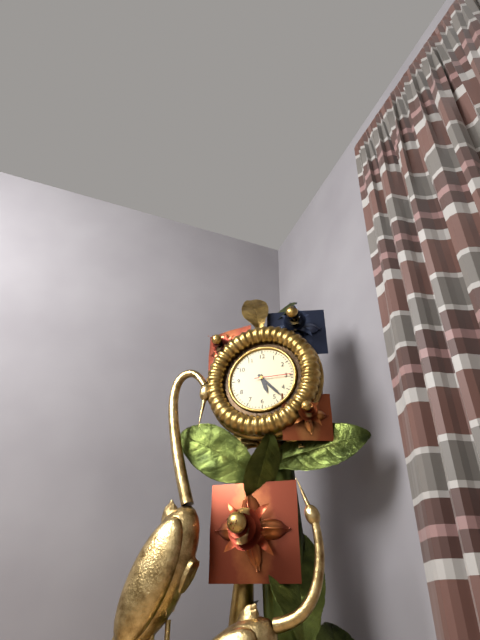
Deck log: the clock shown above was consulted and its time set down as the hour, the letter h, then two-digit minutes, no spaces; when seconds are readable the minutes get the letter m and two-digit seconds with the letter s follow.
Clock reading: 5h23
